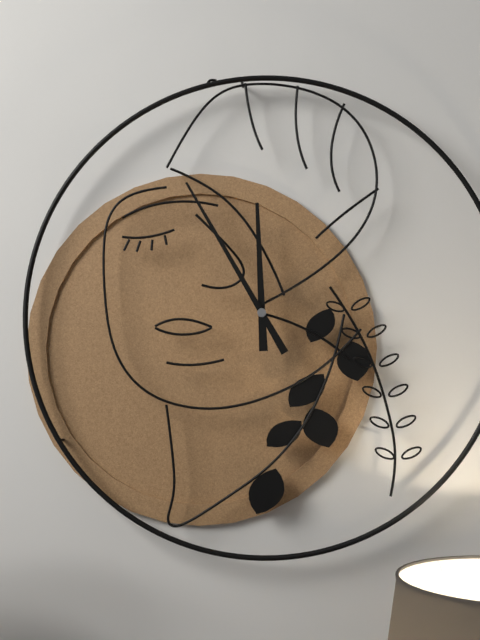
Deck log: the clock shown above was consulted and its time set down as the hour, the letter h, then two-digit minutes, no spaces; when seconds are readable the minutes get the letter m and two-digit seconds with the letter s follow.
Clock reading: 11h55
